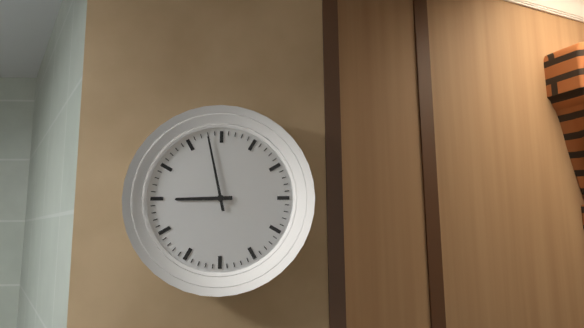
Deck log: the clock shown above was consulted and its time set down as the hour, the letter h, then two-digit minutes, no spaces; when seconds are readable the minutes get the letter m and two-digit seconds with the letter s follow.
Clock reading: 8h58
